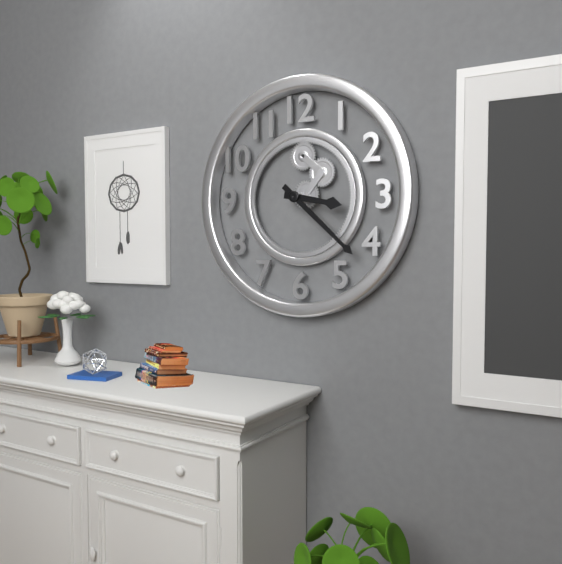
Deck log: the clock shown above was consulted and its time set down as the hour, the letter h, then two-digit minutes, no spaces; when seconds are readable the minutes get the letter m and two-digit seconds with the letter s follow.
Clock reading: 3h22
